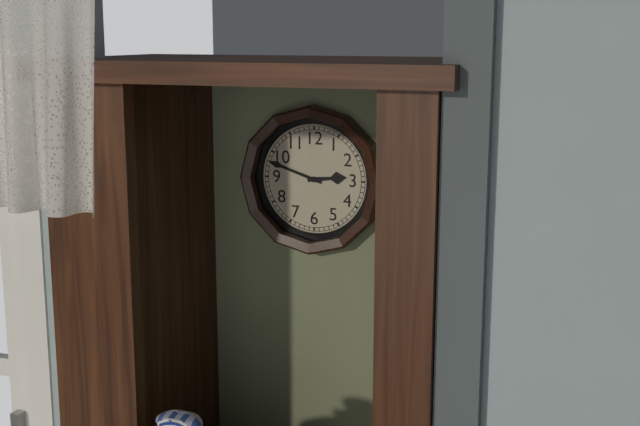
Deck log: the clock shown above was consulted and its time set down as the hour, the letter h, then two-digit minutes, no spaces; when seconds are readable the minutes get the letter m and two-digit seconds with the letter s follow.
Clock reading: 2h48
